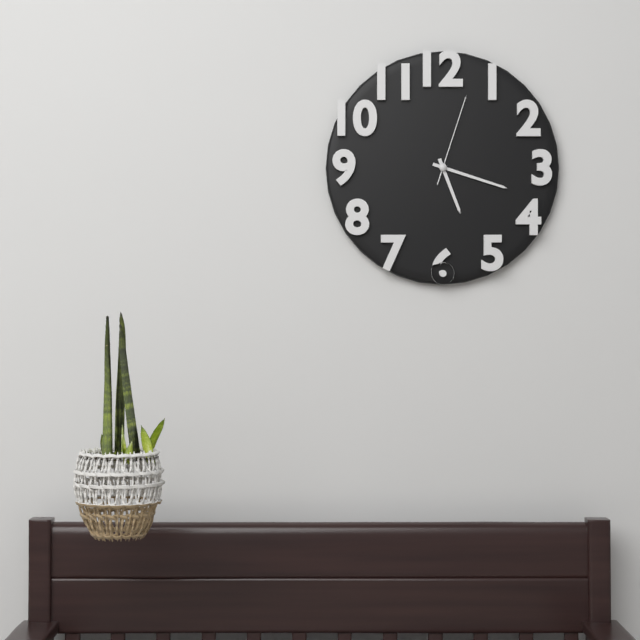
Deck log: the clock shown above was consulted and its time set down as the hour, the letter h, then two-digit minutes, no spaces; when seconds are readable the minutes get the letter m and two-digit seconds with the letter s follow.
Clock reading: 5h18m03s
